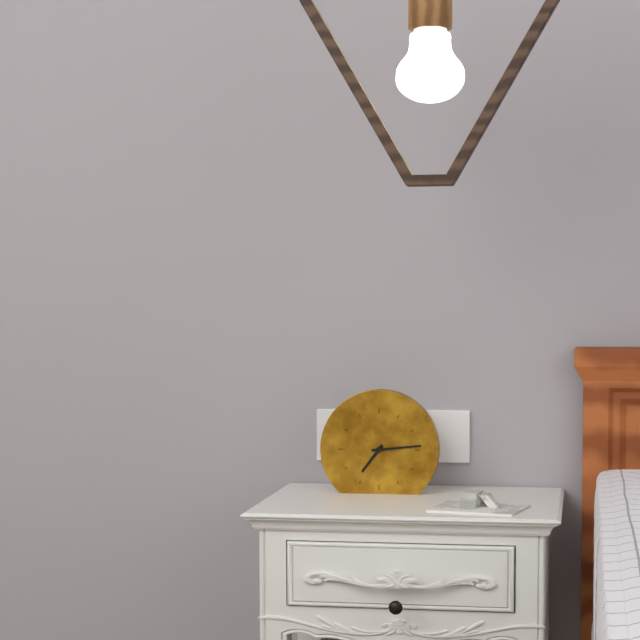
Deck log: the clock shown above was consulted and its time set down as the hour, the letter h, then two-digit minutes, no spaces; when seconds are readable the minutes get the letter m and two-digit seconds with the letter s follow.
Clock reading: 7h14
